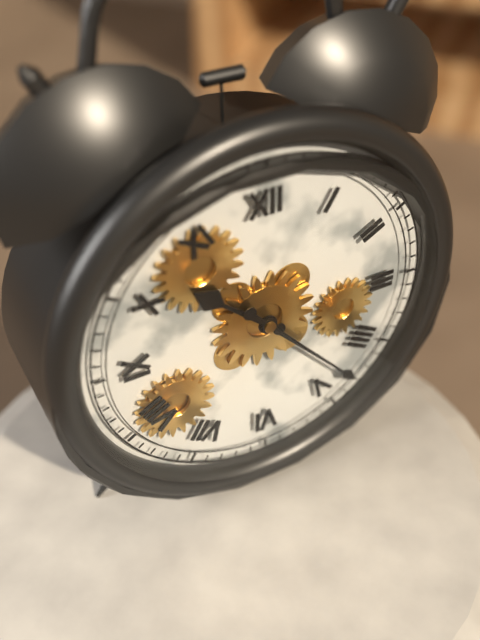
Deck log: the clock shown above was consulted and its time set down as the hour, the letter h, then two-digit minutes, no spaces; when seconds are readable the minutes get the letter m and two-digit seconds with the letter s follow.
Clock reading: 10h23
